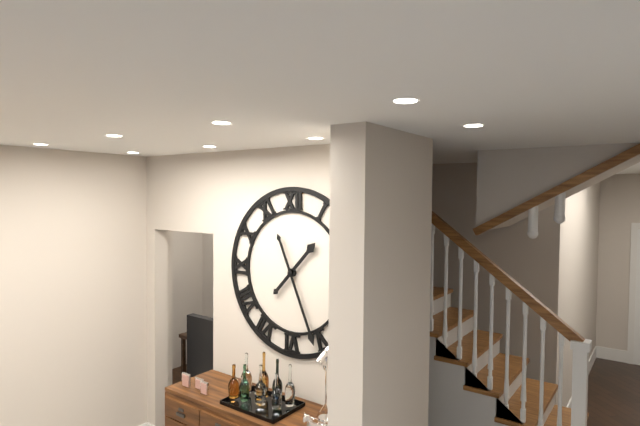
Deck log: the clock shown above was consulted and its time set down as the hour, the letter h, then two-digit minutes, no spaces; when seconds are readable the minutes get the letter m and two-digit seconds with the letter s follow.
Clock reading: 1h26
